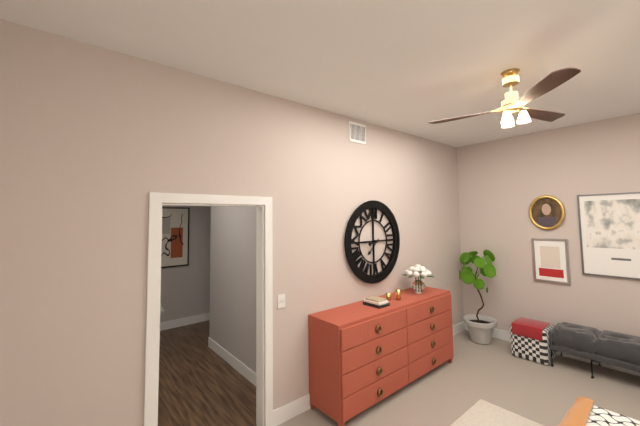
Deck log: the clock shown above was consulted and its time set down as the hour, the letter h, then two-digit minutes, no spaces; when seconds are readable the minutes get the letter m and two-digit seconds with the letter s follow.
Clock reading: 8h38
